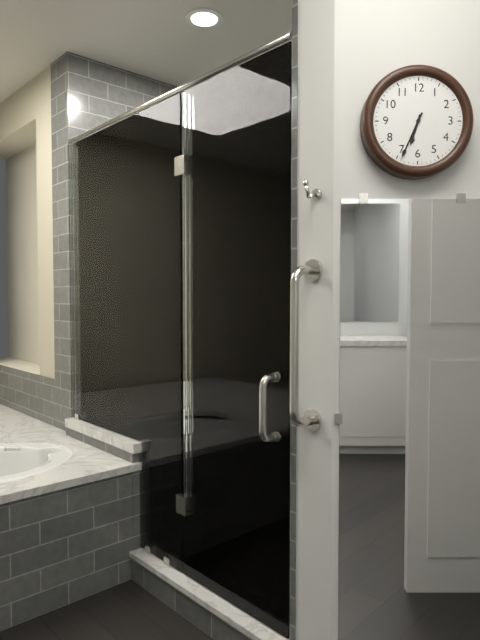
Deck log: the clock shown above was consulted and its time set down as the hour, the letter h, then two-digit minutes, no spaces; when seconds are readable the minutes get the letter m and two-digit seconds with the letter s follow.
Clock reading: 6h34
